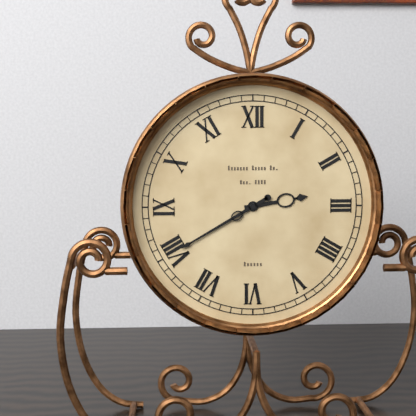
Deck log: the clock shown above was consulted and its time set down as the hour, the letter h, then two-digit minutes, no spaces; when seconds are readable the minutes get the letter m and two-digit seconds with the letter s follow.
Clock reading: 2h40
